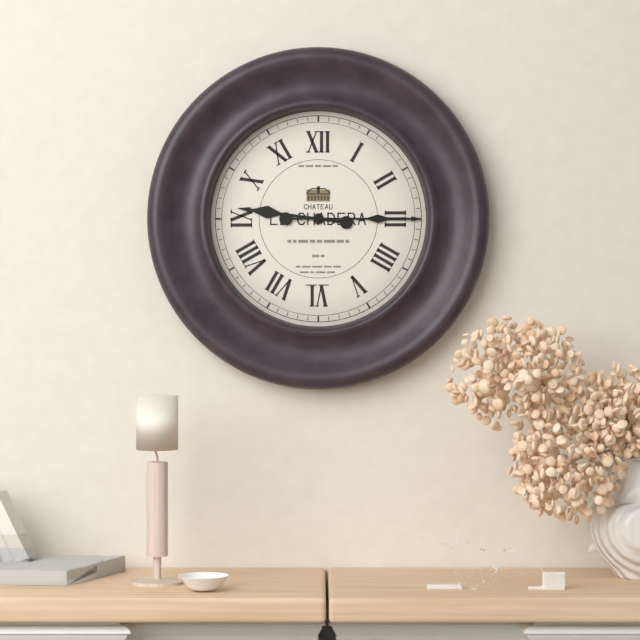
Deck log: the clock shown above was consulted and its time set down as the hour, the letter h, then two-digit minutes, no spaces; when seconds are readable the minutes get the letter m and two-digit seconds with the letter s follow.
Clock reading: 9h15
